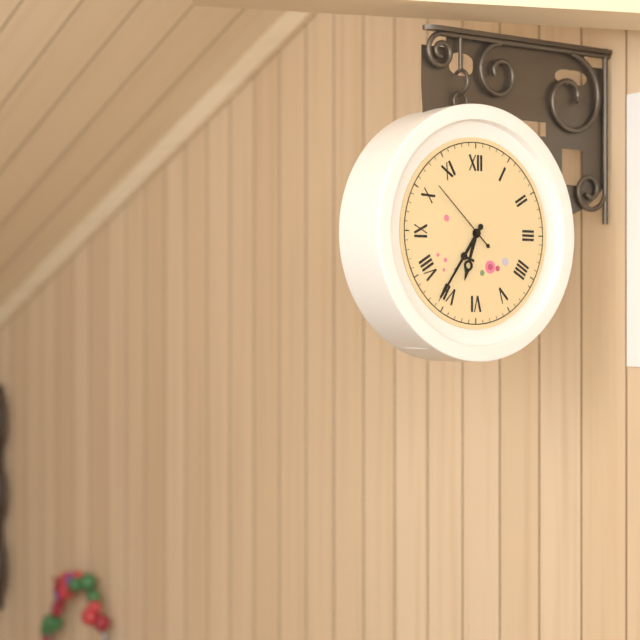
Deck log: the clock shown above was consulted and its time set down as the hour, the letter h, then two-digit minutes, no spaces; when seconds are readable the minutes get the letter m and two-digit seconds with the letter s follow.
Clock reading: 6h36m52s
